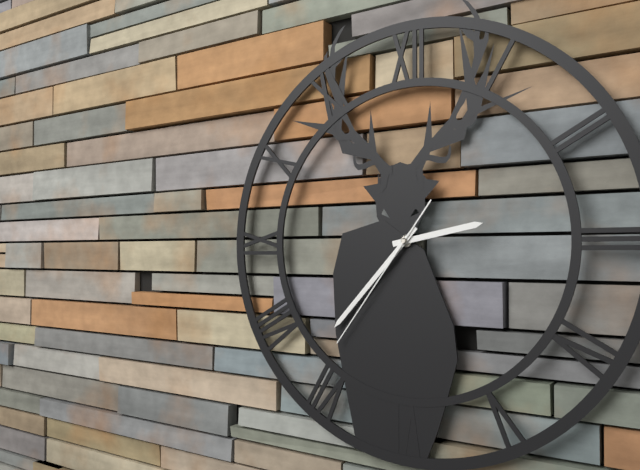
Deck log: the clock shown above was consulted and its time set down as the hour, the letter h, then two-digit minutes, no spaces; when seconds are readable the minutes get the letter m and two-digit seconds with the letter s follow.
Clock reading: 2h37m36s
